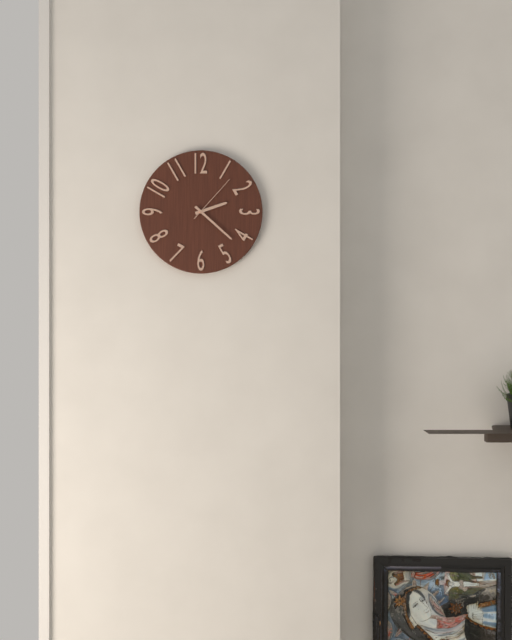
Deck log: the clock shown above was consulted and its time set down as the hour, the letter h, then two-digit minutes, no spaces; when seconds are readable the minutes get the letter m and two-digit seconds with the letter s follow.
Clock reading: 2h22m07s
